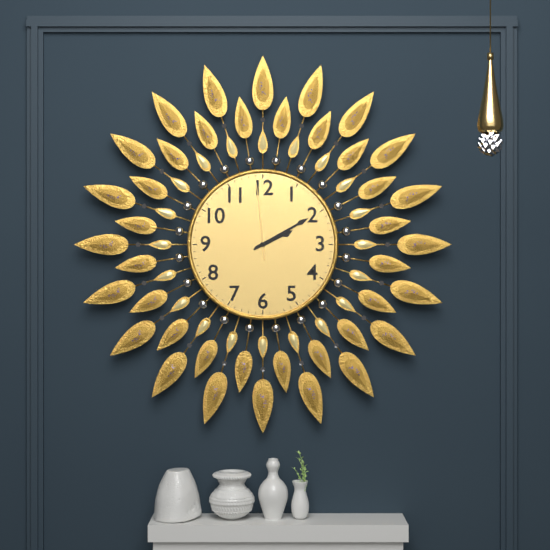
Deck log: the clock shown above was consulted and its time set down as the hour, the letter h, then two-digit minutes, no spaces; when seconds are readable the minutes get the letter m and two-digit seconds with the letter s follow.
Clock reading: 2h10m59s
